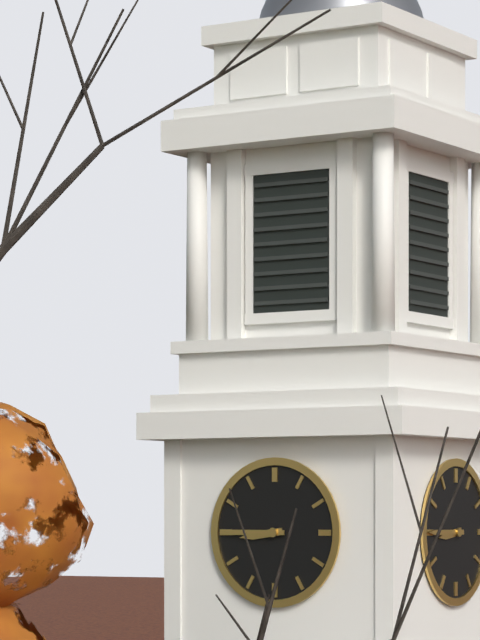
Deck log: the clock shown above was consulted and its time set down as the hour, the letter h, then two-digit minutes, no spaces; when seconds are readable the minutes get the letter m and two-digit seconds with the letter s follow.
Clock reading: 8h45
